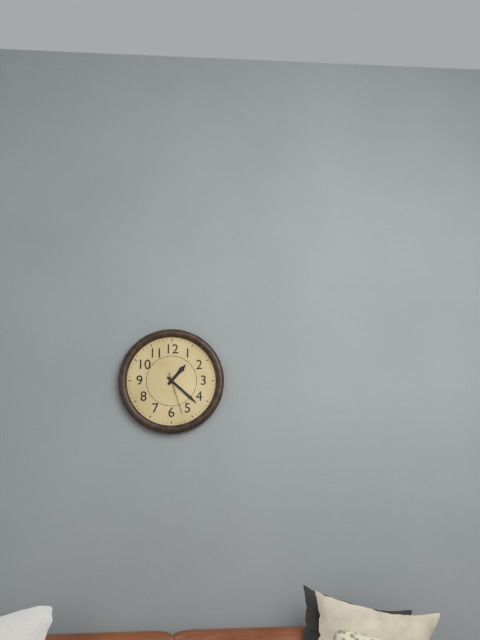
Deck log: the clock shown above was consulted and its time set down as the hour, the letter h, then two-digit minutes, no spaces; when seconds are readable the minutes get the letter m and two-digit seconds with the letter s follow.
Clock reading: 1h22
